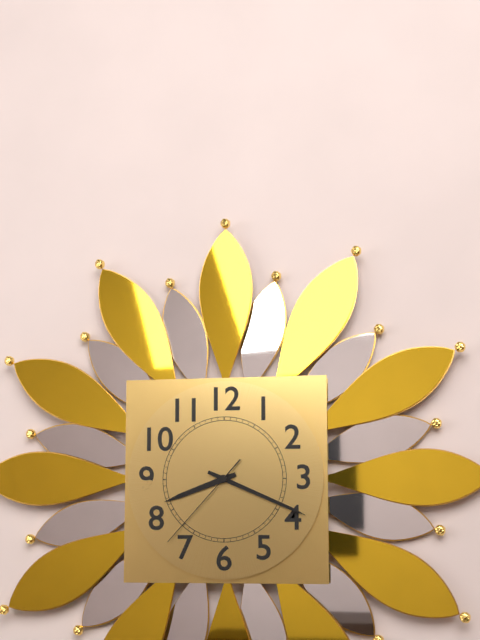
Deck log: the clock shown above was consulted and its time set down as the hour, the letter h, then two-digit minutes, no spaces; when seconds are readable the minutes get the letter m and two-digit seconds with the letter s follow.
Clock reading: 8h19m37s
